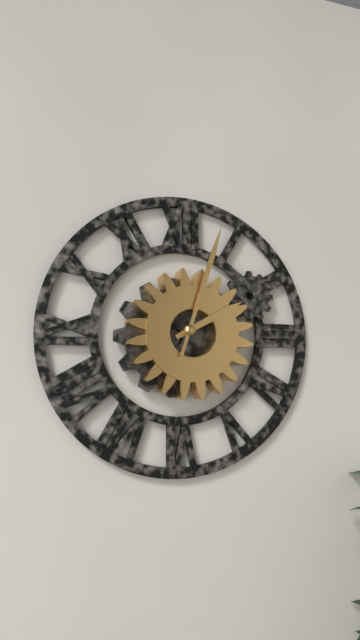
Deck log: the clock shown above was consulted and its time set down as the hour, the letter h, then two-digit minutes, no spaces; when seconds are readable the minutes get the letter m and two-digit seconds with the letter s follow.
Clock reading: 2h03
